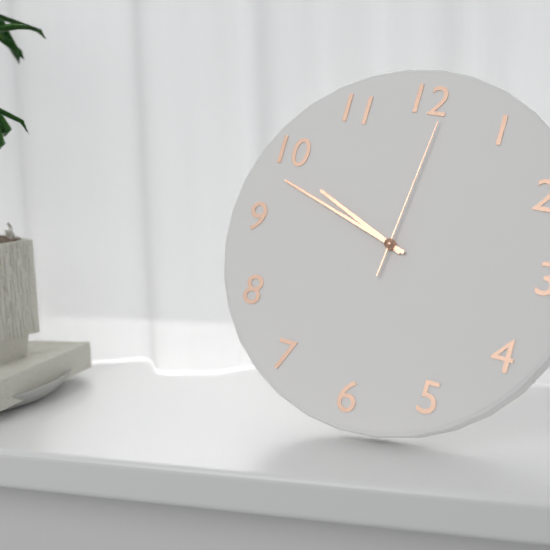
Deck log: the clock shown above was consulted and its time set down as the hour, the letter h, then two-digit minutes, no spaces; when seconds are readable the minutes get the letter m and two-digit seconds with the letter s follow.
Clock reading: 9h48m01s
